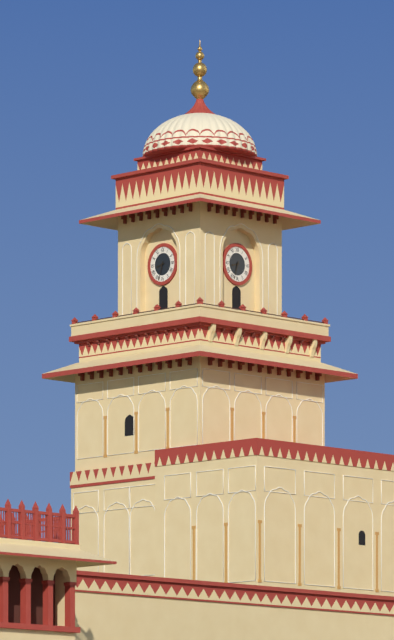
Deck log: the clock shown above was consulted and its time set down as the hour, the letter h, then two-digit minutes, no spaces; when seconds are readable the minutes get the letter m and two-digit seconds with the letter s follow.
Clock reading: 8h33
